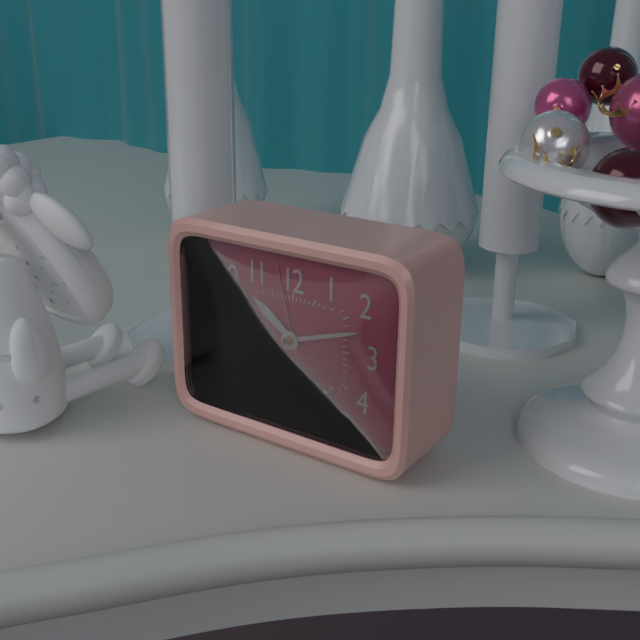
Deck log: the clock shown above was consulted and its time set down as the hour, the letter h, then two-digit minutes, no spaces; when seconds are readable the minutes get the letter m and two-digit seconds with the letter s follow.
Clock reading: 10h12
